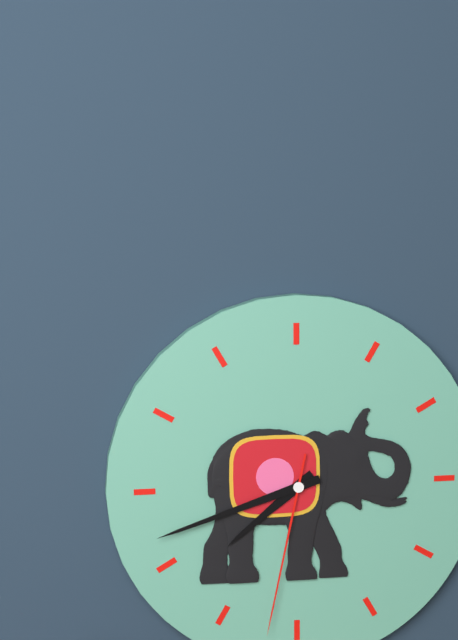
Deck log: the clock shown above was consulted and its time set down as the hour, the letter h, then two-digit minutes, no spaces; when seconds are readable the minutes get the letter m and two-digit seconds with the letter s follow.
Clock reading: 7h42m32s
